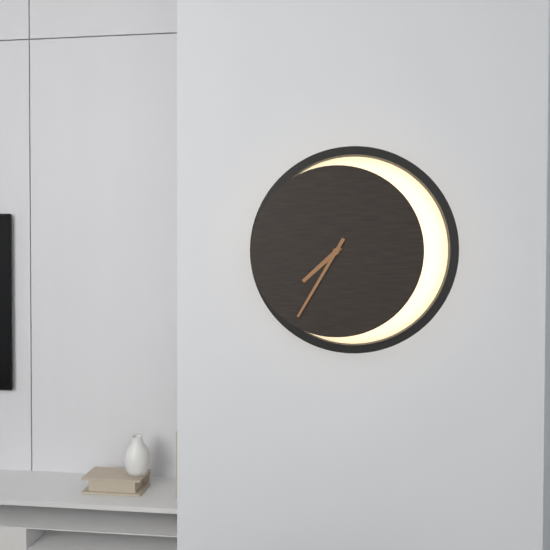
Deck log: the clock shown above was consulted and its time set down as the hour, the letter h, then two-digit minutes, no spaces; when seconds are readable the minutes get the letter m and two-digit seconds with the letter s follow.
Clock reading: 7h35
